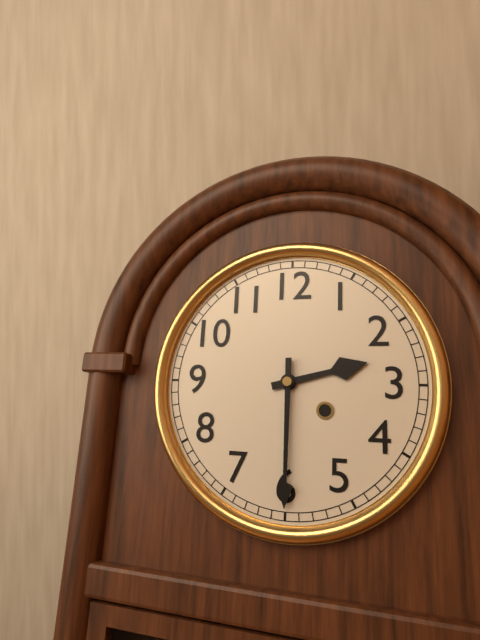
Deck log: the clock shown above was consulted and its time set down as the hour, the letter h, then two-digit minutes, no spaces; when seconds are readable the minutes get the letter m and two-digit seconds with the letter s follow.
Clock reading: 2h30
